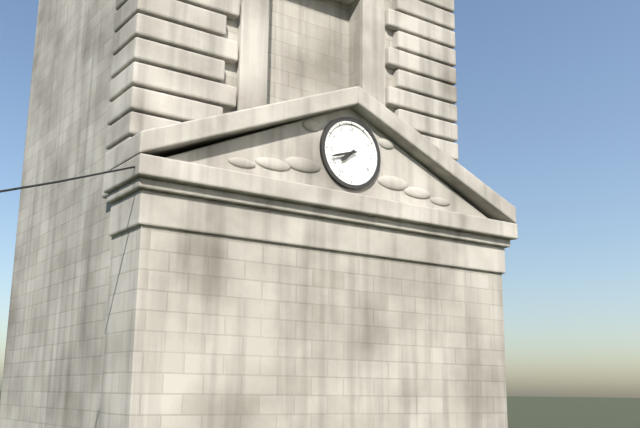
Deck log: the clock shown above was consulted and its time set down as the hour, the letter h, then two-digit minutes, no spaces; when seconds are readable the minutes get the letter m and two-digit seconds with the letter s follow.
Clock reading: 7h42
